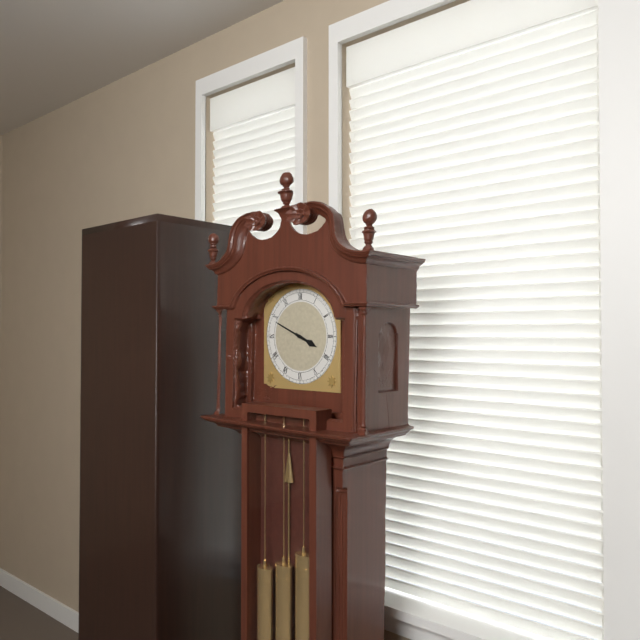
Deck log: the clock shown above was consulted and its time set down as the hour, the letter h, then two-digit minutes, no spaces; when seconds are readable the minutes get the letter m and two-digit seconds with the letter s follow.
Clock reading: 3h49
